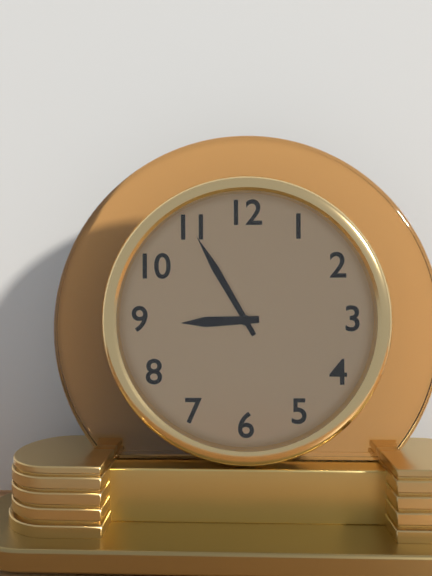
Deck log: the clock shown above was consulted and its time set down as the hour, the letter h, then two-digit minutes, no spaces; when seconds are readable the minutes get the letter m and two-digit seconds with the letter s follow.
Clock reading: 8h55
